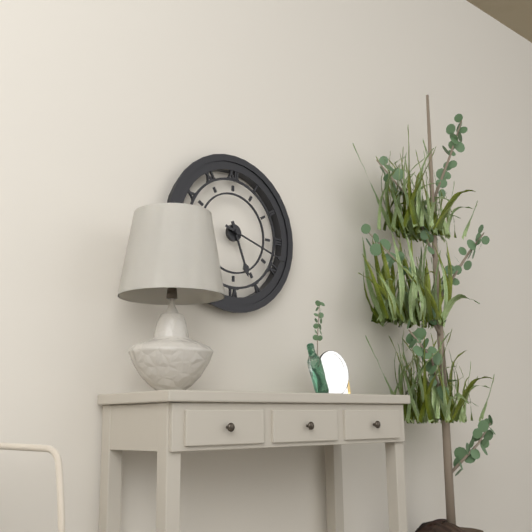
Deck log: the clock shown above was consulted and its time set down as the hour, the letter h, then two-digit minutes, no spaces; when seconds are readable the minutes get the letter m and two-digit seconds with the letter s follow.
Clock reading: 5h18
